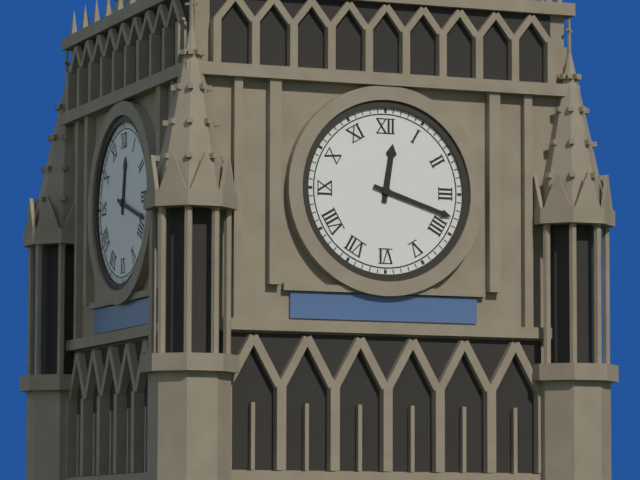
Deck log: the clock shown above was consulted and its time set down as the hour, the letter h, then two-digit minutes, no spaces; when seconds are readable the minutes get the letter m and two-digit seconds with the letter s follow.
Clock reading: 12h18
